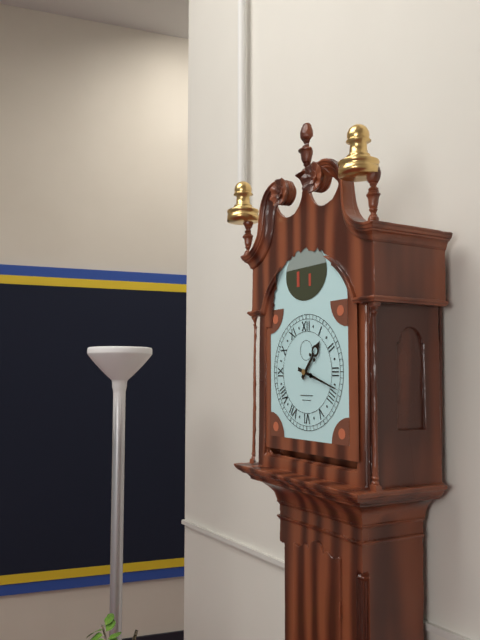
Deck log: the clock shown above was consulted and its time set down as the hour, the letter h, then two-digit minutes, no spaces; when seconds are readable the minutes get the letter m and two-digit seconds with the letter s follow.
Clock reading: 1h18
